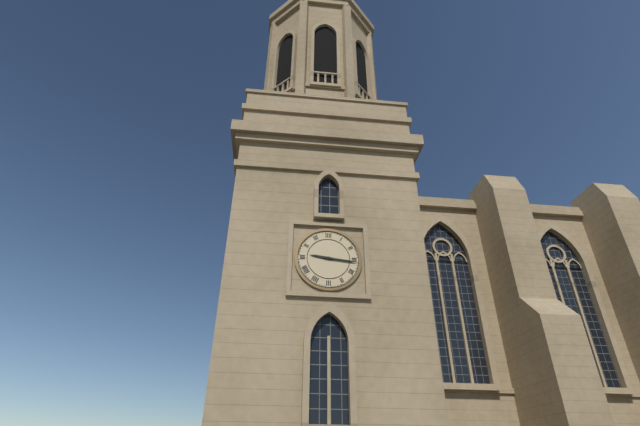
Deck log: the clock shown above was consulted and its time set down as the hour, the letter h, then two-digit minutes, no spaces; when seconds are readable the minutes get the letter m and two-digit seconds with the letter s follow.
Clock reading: 9h16
